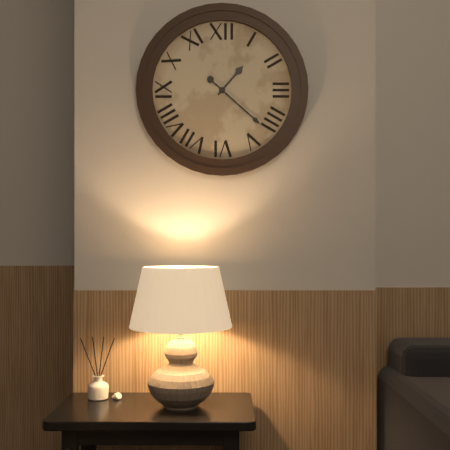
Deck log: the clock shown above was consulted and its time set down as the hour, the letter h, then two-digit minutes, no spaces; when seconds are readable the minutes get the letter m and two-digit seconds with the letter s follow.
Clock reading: 1h22
